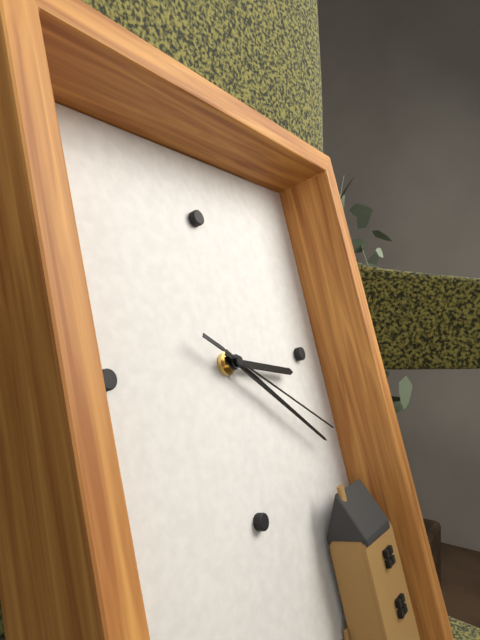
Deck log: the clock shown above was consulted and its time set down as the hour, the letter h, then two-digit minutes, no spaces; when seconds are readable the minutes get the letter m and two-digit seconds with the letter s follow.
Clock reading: 3h21m20s
